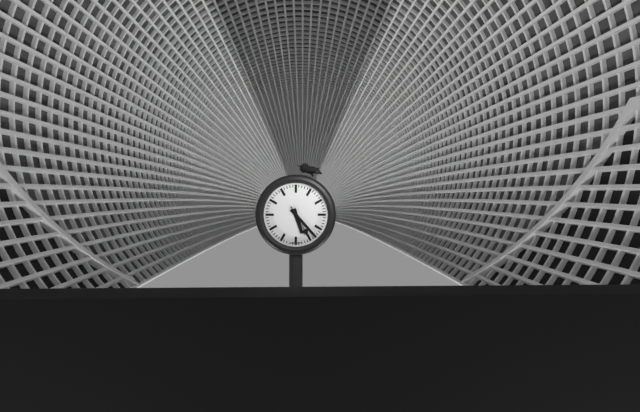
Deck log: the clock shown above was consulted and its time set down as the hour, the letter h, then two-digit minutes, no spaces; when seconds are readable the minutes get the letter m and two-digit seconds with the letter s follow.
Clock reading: 5h23
